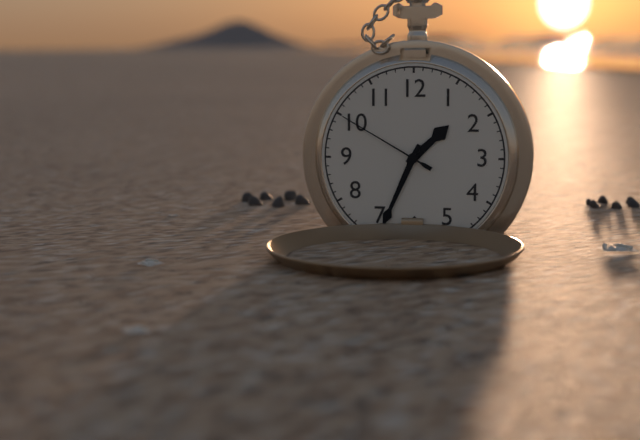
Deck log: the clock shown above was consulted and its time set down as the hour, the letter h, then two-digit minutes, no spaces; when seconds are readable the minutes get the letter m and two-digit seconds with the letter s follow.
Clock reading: 1h34m50s
